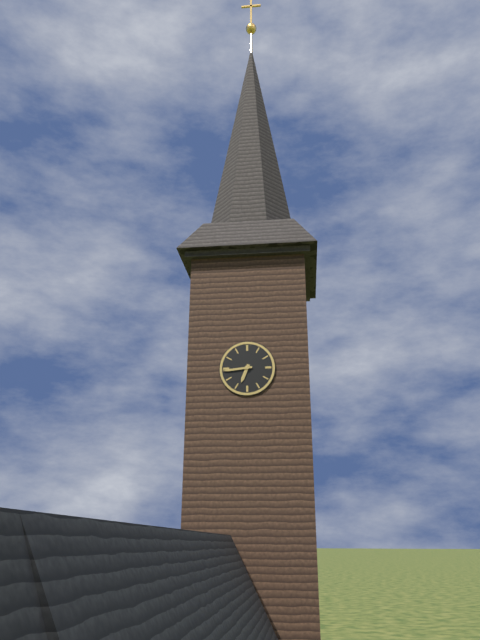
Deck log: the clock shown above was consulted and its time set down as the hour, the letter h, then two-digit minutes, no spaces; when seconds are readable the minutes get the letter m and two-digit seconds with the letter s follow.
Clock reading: 6h44
